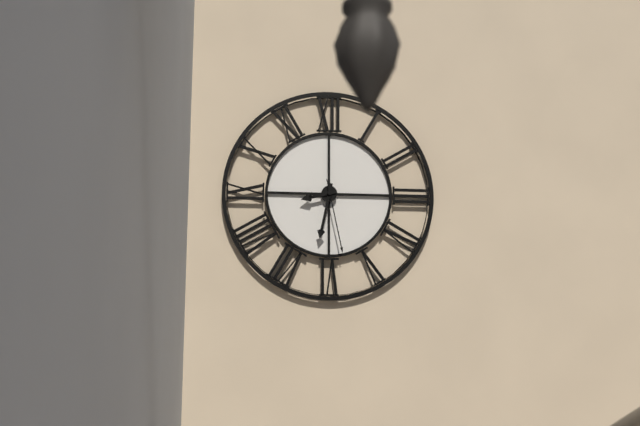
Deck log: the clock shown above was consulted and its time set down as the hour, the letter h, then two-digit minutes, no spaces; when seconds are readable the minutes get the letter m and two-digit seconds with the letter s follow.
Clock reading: 8h32m28s
